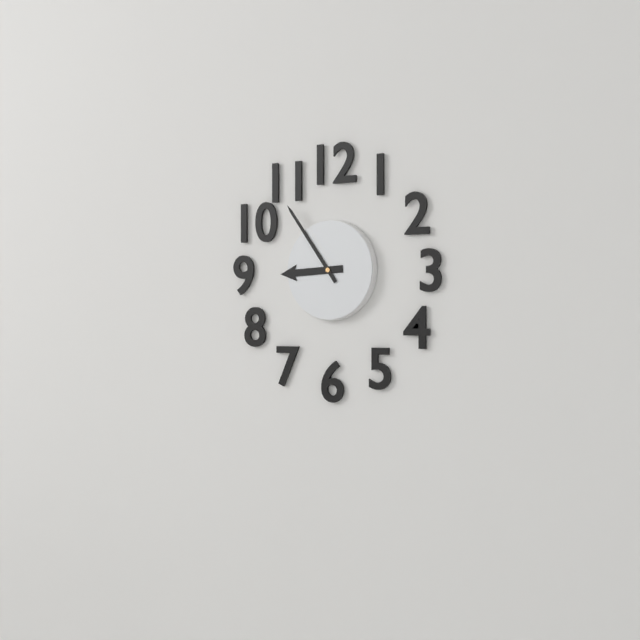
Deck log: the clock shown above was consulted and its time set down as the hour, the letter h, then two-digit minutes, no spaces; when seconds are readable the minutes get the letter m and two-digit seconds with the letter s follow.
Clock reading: 8h54
